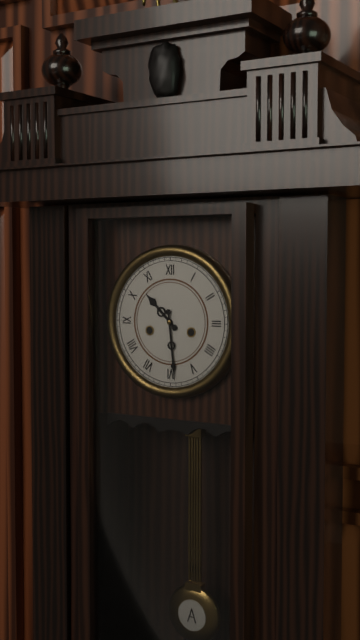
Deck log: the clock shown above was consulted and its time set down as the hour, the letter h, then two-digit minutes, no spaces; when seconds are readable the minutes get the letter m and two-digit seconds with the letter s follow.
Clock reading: 10h29
